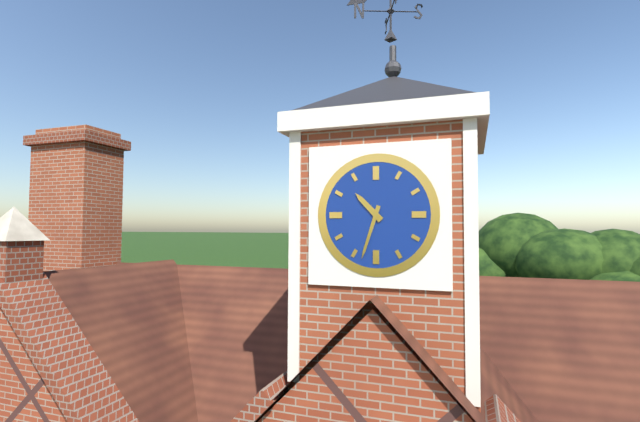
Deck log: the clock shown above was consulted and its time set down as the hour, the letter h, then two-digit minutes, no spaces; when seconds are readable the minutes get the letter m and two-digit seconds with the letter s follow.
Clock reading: 10h33
